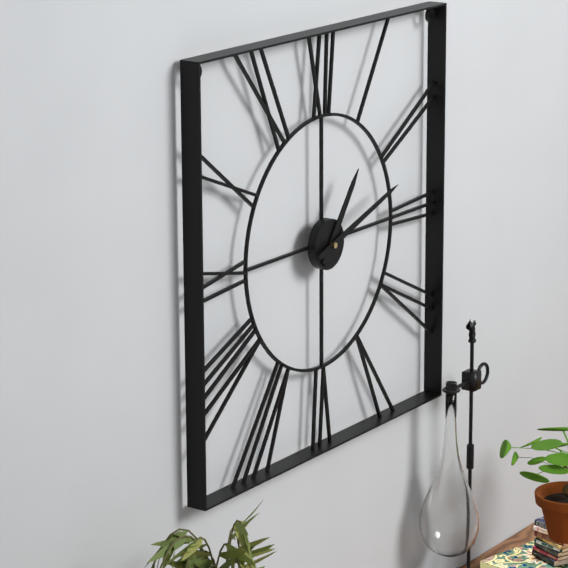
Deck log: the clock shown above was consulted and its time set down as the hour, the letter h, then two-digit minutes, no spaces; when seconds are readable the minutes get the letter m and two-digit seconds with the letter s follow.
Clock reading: 1h12
